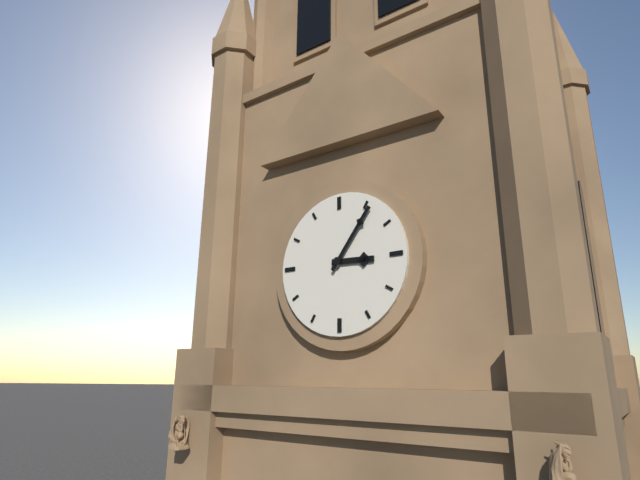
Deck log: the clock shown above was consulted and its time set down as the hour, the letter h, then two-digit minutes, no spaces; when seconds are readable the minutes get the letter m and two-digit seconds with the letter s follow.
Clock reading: 3h06
